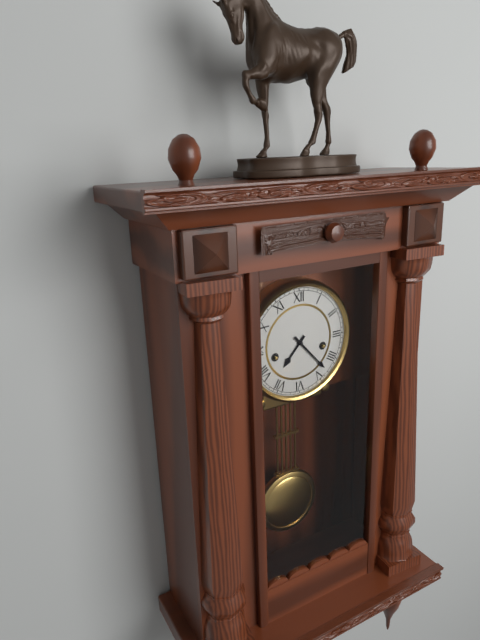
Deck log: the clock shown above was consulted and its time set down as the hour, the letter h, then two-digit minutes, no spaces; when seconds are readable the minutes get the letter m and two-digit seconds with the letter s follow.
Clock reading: 7h23
